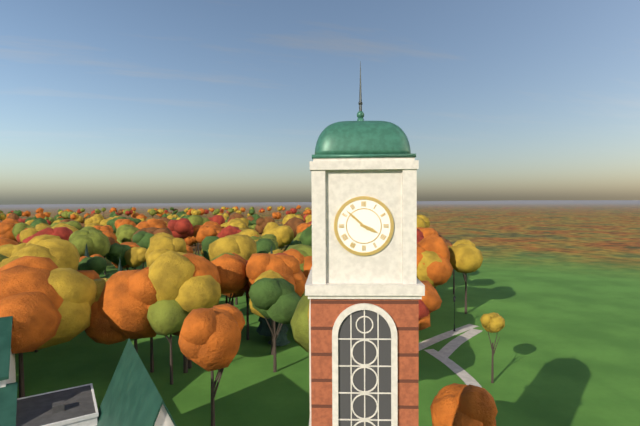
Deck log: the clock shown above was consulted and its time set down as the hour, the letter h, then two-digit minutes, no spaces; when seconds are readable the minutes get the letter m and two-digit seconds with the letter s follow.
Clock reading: 3h52
